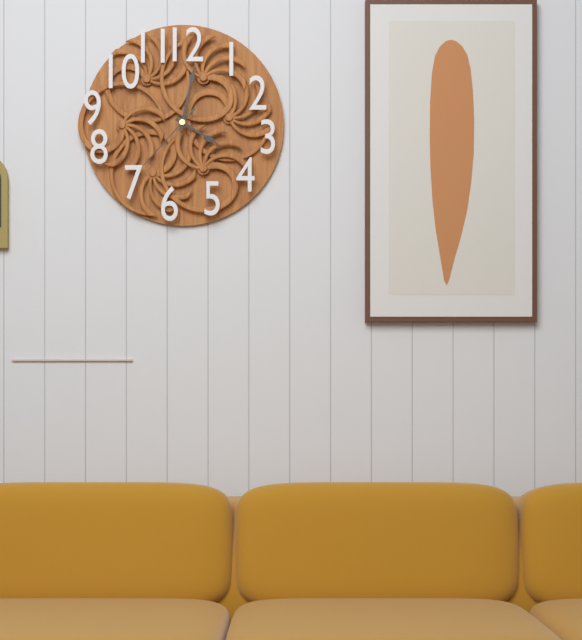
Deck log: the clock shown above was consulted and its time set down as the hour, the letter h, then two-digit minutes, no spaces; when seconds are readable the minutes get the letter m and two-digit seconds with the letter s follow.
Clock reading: 4h02m37s
